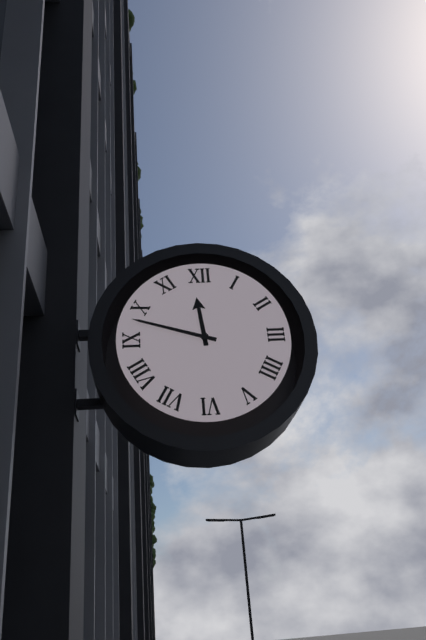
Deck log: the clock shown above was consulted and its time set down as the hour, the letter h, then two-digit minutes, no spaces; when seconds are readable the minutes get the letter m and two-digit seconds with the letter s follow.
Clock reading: 11h48
